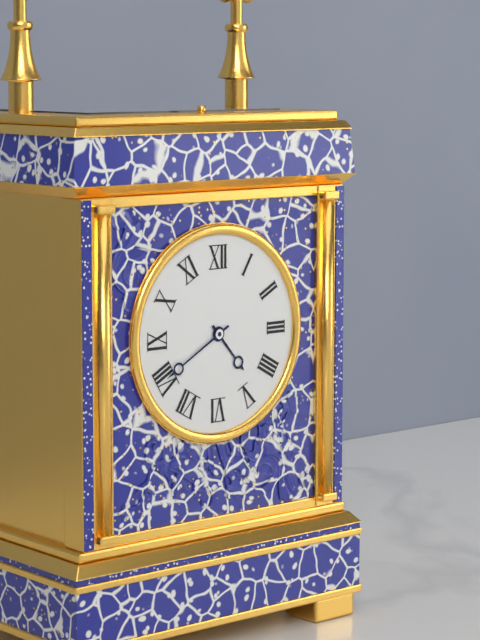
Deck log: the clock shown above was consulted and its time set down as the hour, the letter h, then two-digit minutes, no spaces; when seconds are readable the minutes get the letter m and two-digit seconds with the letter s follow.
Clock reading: 4h40
